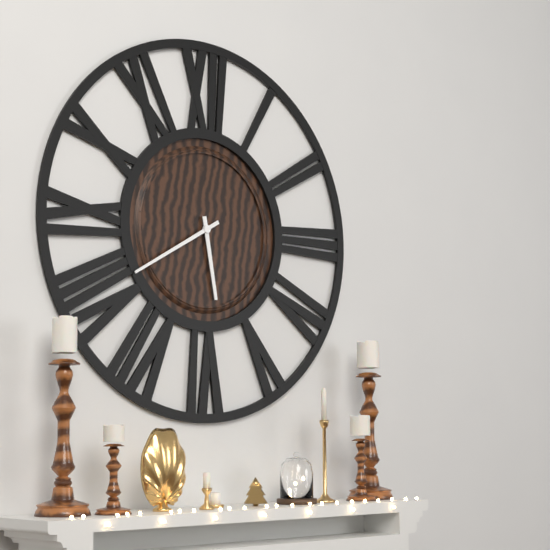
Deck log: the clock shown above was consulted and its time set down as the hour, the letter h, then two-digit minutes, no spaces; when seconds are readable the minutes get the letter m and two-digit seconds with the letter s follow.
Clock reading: 5h40
